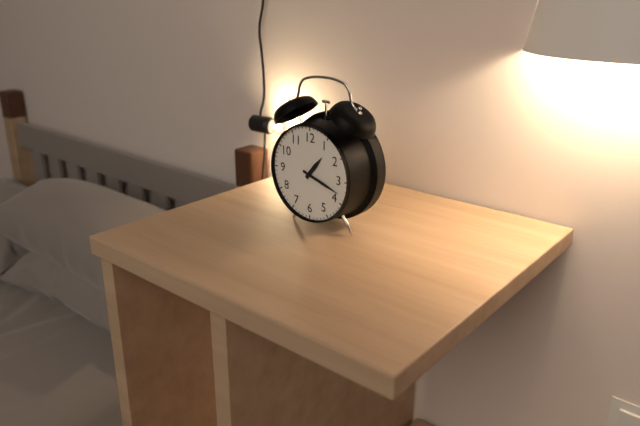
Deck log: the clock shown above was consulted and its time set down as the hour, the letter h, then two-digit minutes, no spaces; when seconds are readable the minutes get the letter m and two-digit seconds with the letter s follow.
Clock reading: 1h18
